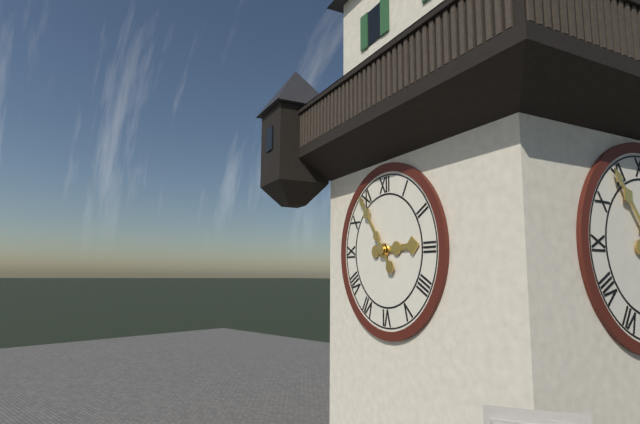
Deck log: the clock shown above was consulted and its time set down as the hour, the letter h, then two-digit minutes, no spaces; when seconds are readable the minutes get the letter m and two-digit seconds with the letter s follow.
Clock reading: 2h54
